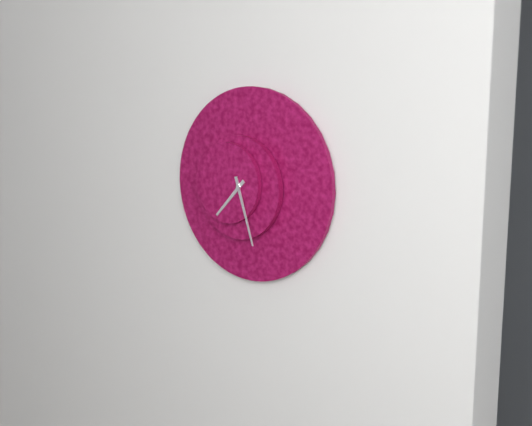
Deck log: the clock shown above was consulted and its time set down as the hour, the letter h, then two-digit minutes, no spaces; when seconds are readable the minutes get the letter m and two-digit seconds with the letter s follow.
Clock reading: 7h27
